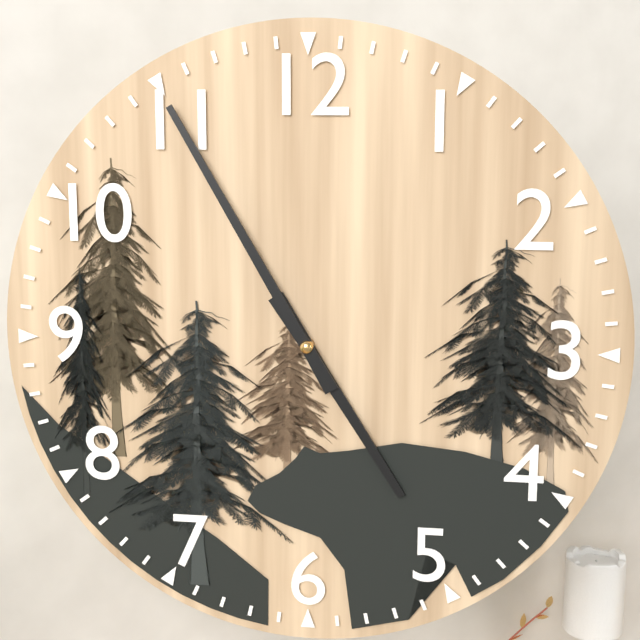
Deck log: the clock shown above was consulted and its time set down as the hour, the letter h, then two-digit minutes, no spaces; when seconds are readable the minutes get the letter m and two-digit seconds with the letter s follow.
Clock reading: 4h55
